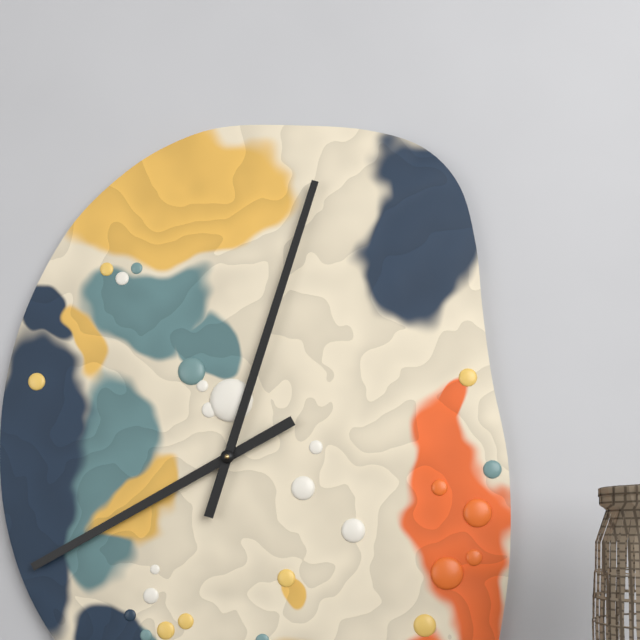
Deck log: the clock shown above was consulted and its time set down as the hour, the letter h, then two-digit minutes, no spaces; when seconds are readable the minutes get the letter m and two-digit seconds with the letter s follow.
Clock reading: 8h03
